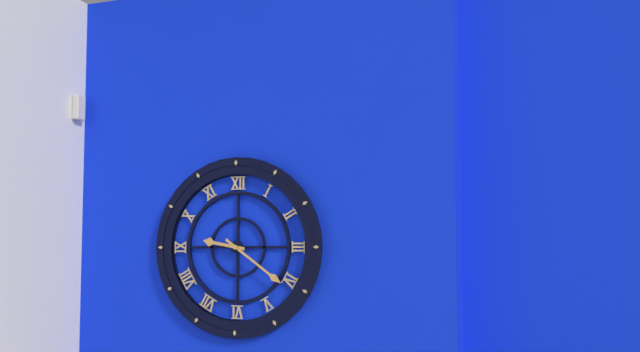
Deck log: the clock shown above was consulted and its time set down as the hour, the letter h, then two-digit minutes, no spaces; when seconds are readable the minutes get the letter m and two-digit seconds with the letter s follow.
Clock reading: 9h21
